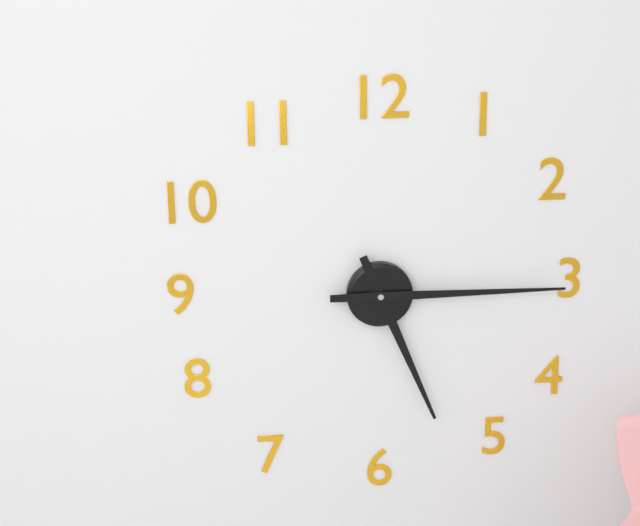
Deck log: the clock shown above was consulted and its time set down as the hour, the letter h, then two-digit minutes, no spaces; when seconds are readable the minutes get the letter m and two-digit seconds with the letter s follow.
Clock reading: 5h15
